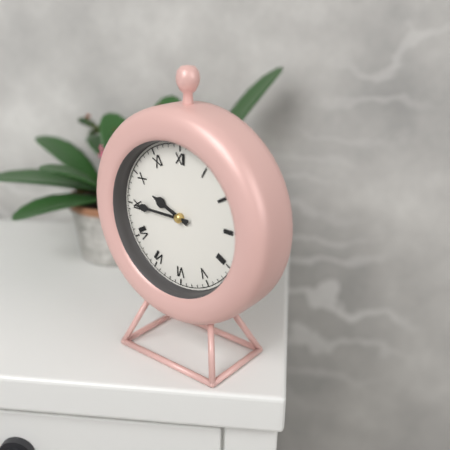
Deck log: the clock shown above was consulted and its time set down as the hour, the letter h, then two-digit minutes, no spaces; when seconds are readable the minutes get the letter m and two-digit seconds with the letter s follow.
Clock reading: 9h45
